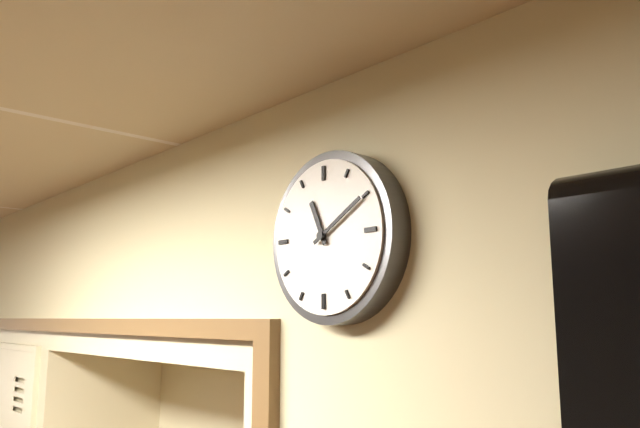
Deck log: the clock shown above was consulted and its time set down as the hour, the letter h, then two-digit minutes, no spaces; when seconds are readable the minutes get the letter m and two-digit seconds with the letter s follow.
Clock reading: 11h10
